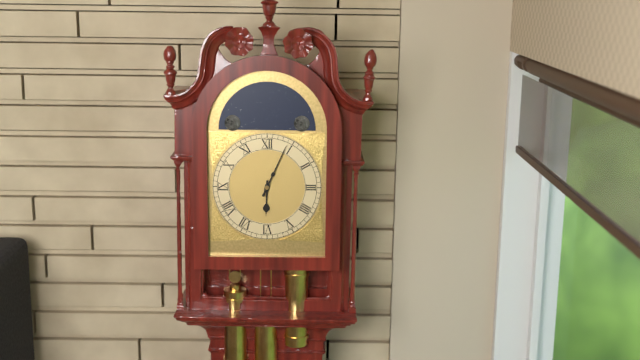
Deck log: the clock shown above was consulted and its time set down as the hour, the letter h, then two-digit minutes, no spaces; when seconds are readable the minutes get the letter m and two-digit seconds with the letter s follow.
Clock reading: 6h04
